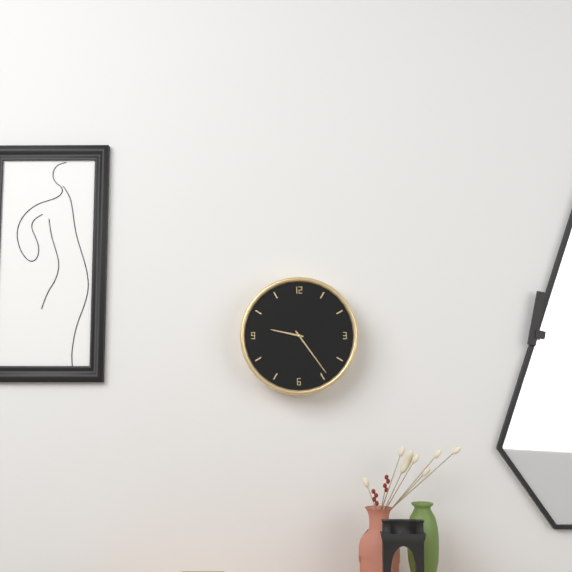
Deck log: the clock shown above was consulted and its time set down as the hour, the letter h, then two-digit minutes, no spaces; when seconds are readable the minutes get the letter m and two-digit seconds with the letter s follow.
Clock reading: 9h24
